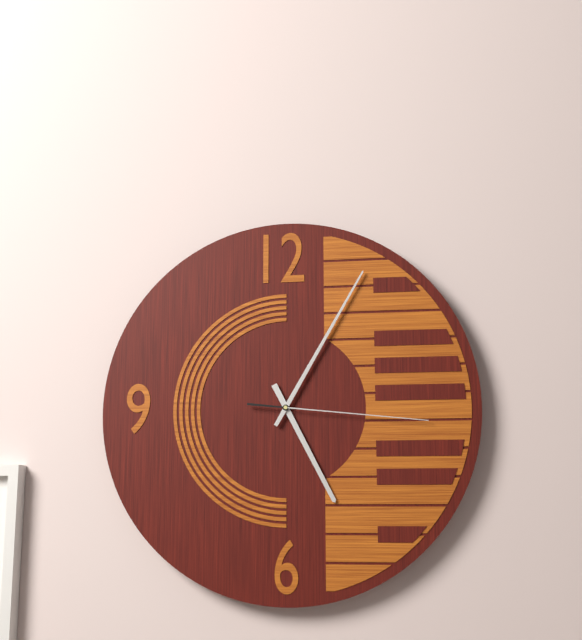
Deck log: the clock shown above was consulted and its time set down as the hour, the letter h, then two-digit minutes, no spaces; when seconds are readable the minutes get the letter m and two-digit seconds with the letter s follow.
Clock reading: 5h05m16s
